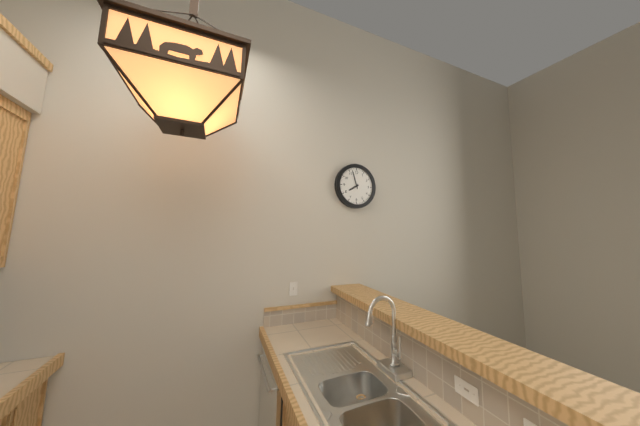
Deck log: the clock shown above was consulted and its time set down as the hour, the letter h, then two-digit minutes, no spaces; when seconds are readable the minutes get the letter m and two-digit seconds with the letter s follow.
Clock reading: 7h57
